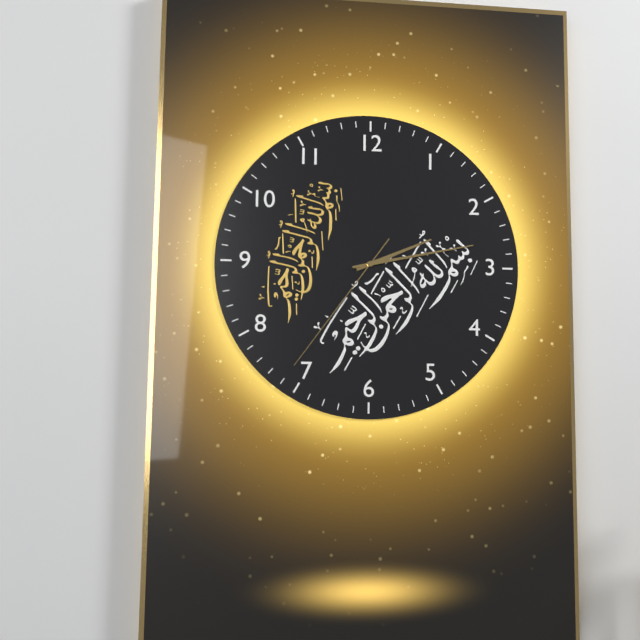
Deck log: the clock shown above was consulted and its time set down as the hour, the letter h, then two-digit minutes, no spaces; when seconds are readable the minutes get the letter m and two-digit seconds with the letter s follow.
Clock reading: 2h13m36s
